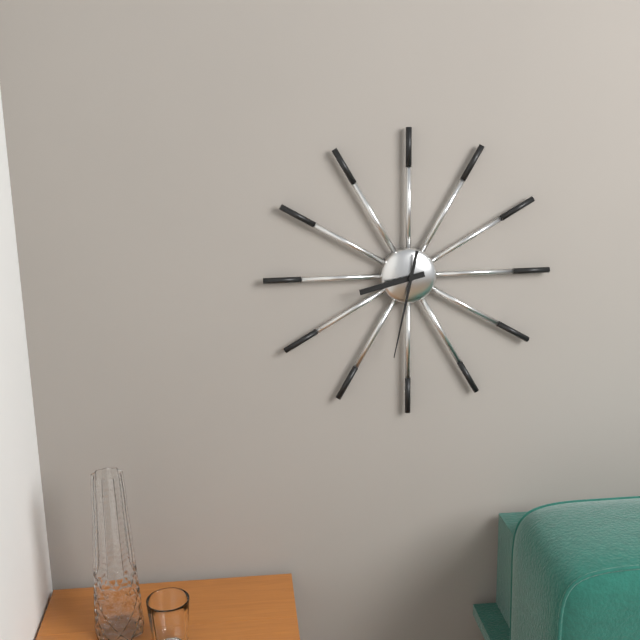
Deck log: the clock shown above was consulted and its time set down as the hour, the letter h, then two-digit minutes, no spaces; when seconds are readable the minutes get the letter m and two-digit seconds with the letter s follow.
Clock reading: 8h32
